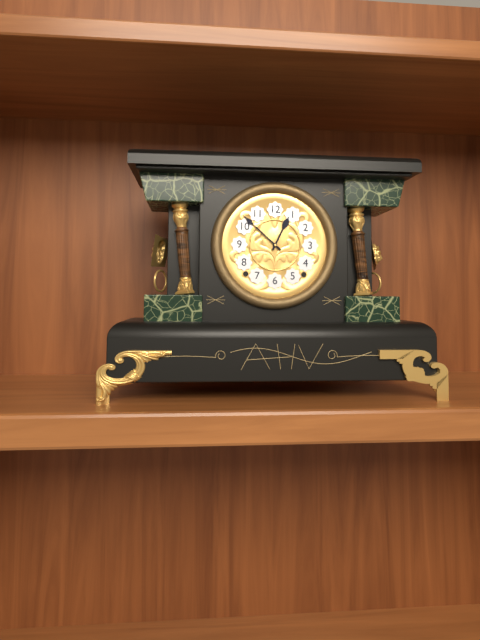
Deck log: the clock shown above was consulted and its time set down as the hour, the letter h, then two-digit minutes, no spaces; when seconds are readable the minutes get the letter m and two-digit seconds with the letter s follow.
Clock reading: 12h52
